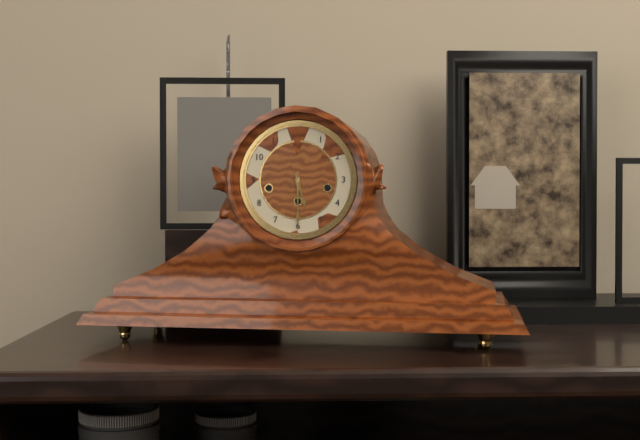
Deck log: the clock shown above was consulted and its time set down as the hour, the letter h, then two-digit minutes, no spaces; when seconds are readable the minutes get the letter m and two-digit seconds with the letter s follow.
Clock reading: 5h30
